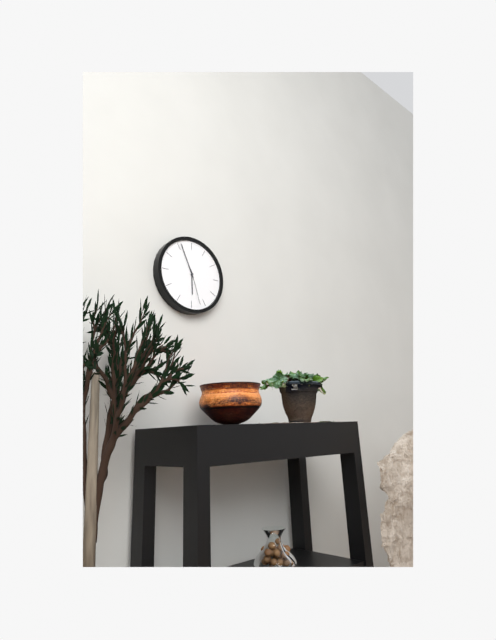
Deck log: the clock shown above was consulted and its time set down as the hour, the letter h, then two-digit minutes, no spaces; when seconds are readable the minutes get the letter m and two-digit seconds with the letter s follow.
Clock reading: 5h56
